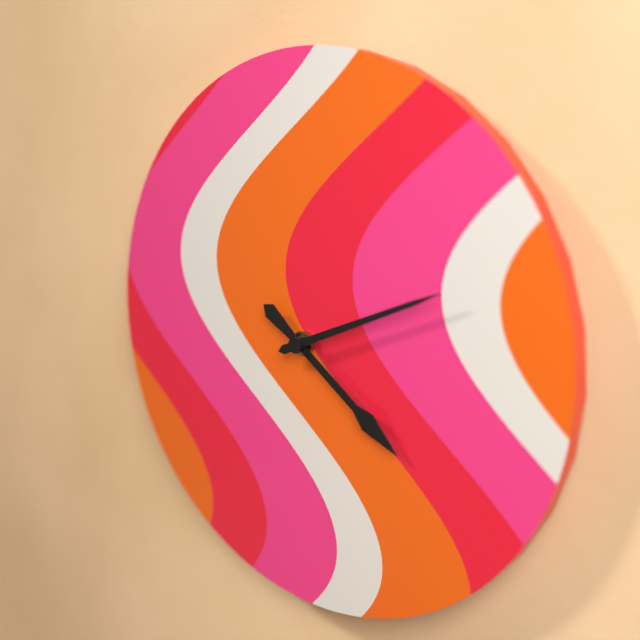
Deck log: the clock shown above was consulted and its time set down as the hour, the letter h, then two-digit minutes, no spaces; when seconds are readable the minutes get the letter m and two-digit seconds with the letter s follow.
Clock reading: 4h11
